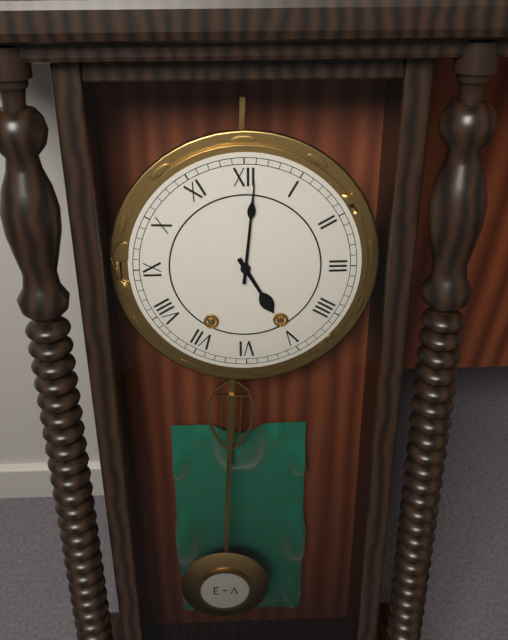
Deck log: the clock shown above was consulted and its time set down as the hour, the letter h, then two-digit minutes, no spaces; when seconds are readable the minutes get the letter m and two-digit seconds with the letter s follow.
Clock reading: 5h01
